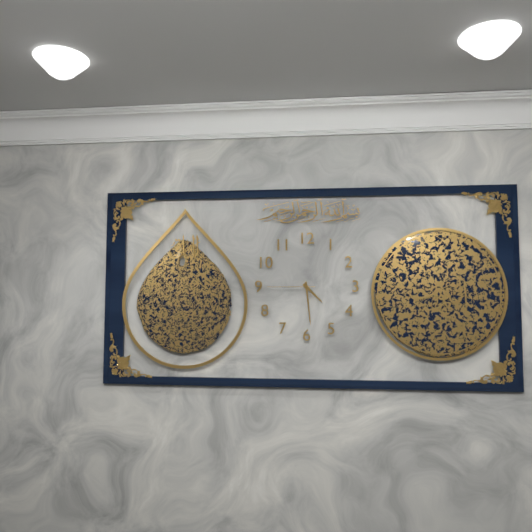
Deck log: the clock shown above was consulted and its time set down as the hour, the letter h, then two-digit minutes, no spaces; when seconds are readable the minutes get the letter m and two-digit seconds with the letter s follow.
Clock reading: 4h29m45s
